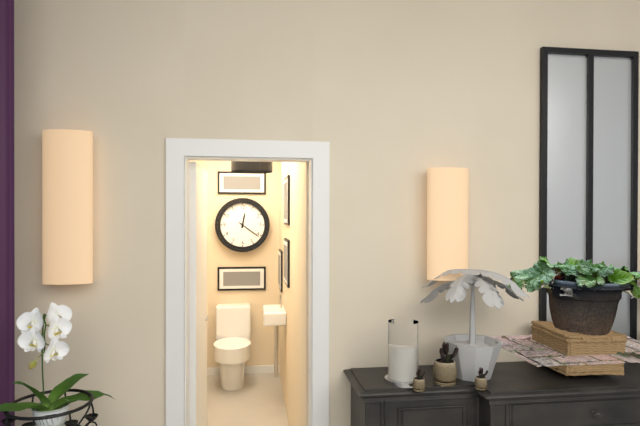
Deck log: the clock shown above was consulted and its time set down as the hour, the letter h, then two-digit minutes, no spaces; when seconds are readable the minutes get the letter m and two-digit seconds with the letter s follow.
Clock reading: 12h21
